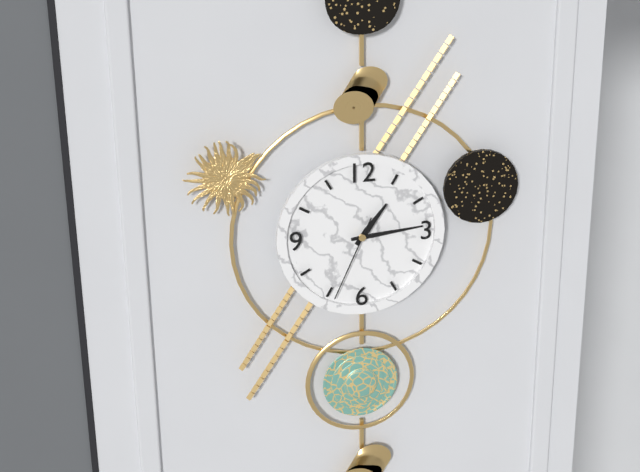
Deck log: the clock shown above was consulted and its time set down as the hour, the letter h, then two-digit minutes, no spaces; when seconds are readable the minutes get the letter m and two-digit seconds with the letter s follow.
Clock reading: 1h14m34s
